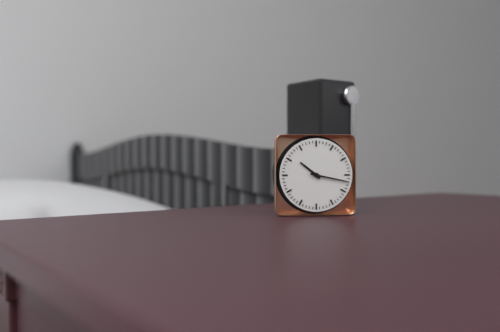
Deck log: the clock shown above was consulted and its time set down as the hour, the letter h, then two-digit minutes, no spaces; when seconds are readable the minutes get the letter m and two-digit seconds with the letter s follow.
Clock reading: 10h17
